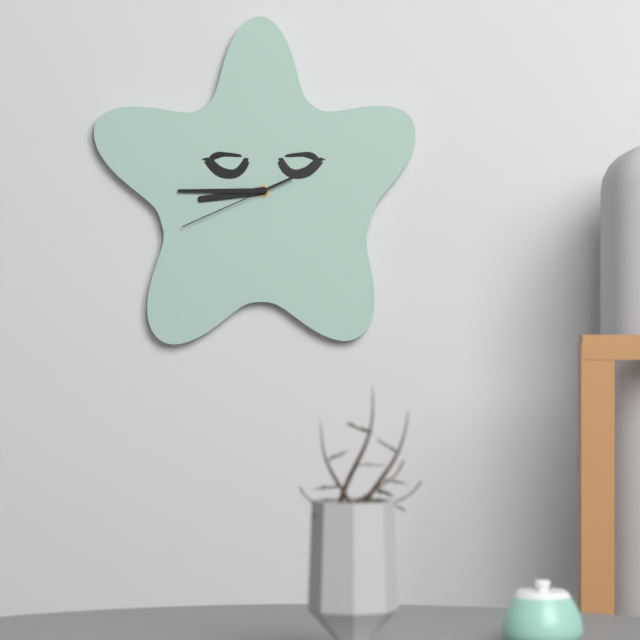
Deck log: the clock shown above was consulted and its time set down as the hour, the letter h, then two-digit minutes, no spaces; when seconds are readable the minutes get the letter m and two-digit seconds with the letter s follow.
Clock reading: 8h45m41s
